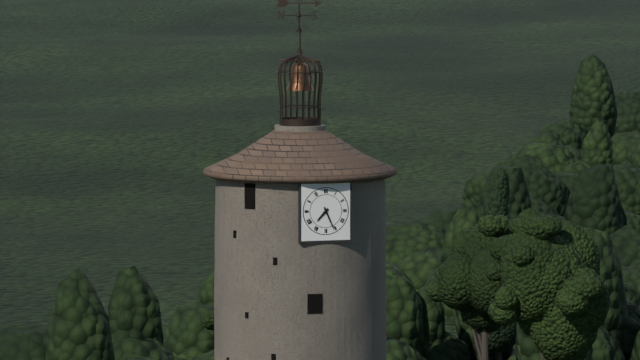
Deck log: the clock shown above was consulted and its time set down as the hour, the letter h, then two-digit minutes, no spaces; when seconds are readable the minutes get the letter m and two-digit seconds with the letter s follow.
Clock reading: 7h26
